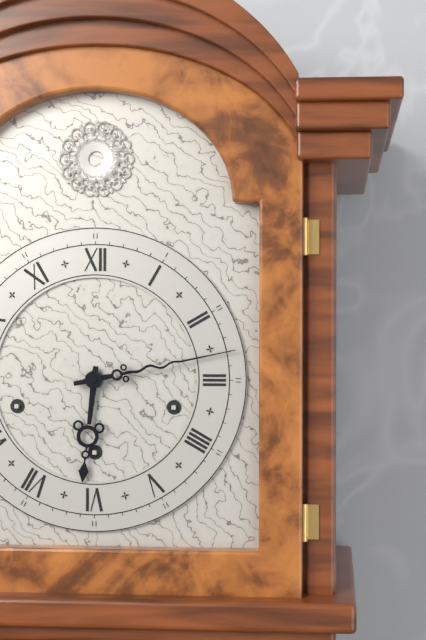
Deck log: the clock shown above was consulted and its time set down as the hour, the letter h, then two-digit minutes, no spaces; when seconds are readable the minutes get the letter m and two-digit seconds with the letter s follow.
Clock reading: 6h13
